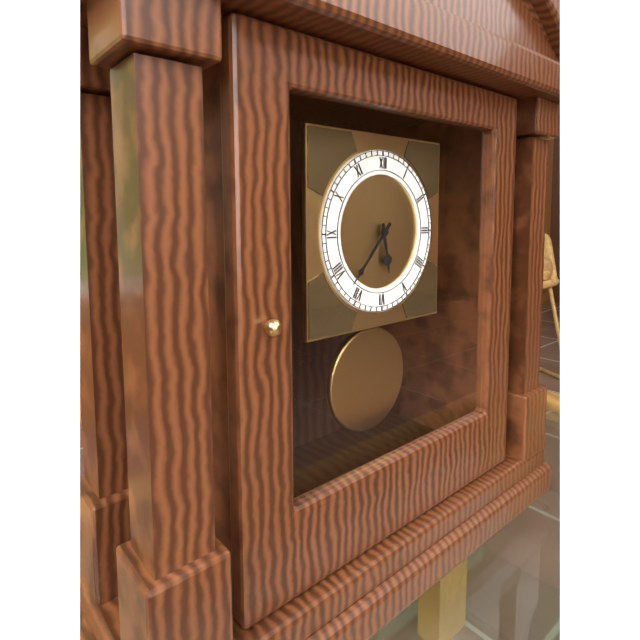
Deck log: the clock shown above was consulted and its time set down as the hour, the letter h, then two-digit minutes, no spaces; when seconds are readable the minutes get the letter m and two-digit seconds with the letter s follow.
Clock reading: 5h37
